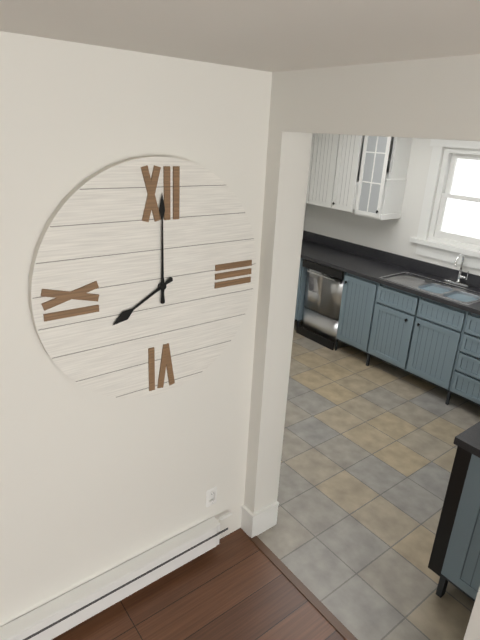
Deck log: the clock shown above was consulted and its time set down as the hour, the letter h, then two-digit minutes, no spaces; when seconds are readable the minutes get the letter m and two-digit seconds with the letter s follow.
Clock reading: 8h00
